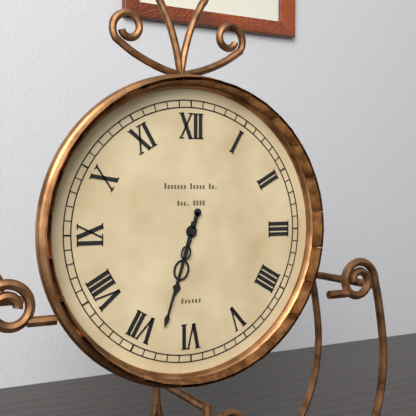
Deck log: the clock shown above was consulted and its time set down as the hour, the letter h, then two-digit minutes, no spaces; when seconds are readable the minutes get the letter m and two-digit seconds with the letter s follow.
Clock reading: 6h33
